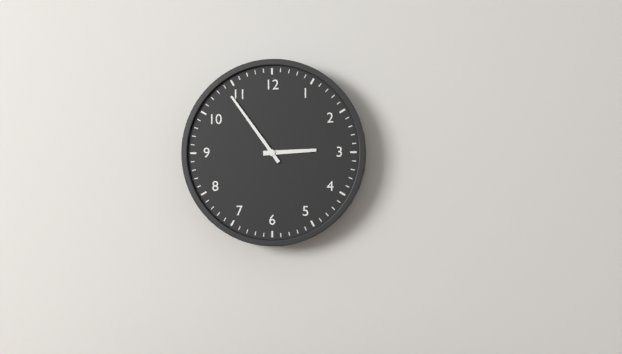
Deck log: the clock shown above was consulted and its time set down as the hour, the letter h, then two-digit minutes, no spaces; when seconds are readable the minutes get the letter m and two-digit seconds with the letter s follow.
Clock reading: 2h54
